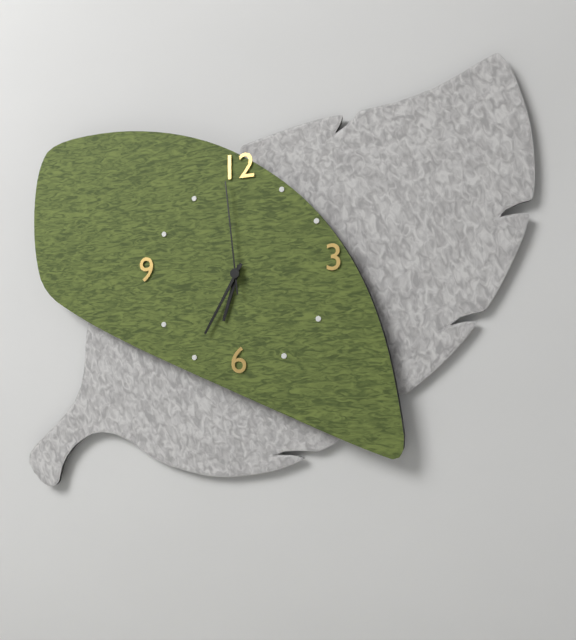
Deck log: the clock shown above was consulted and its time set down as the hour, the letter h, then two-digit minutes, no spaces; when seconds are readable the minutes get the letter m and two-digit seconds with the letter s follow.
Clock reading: 6h35m59s
